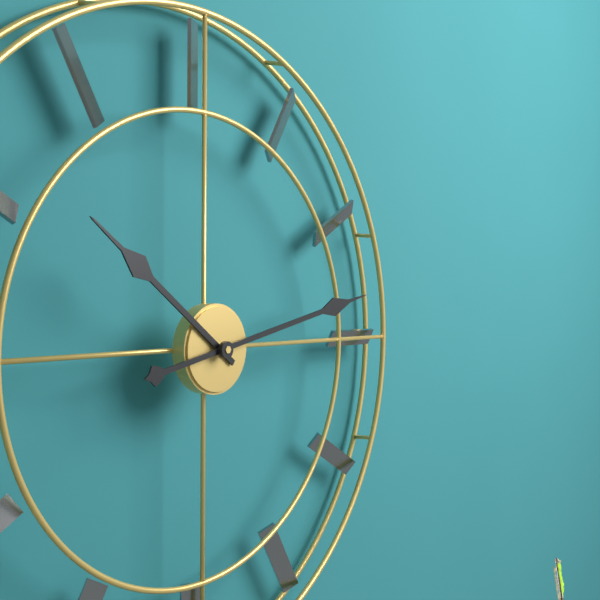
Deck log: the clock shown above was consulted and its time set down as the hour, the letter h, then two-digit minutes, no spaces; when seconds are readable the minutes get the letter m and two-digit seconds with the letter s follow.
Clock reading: 10h13
